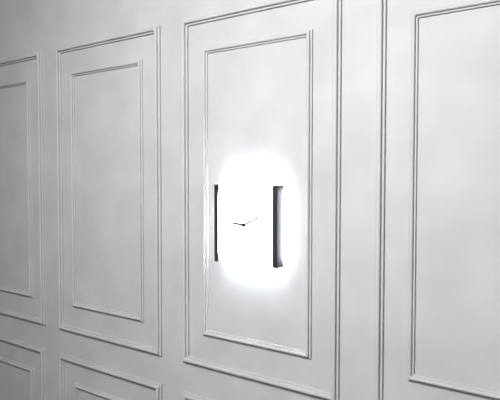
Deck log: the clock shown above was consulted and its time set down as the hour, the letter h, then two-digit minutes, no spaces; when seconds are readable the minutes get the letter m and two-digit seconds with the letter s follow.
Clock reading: 9h11
